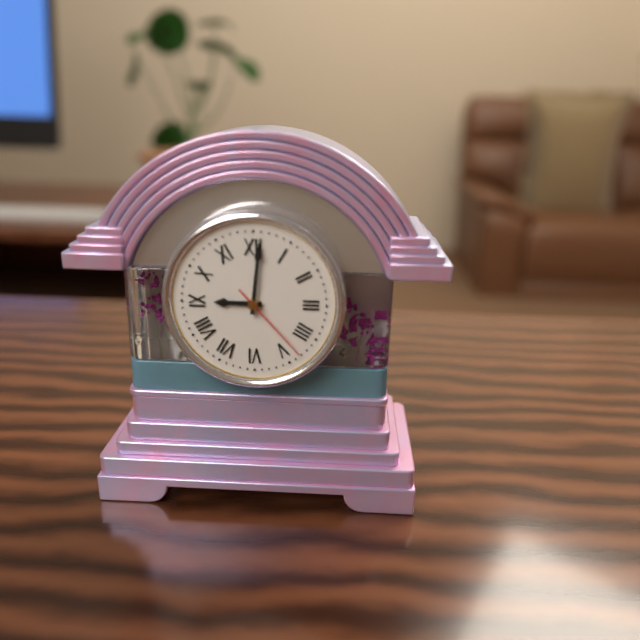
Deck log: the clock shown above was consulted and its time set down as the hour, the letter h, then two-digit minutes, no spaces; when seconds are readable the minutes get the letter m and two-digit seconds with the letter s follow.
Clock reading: 9h01m23s
